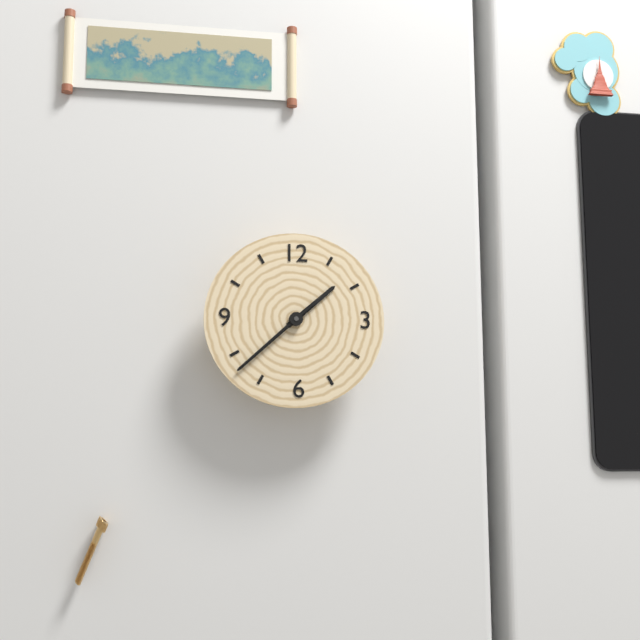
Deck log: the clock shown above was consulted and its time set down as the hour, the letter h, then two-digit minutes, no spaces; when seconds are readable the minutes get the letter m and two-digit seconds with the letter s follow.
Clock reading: 1h38m38s
